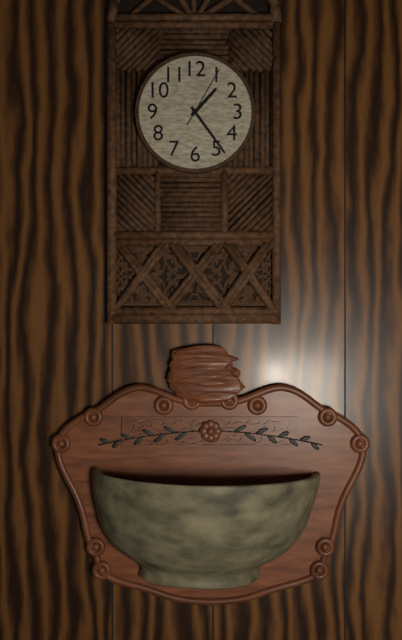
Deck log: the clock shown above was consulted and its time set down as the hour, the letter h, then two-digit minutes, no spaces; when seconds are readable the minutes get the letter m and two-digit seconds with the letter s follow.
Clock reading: 1h24m05s
